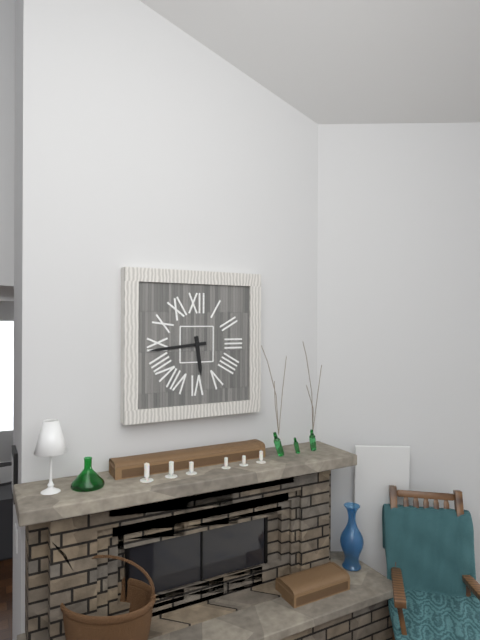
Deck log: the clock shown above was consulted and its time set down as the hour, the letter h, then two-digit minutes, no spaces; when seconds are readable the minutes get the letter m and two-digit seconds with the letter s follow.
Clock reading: 5h44
